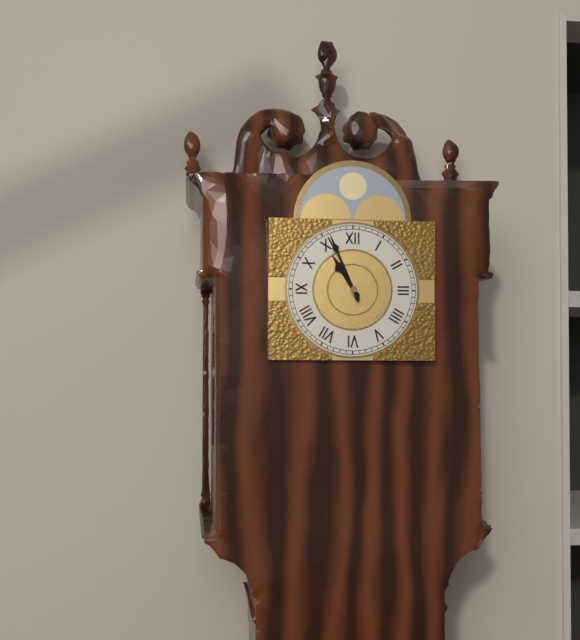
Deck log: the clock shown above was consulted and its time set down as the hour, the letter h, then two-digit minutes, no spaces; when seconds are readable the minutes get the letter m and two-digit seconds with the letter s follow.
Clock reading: 10h56
